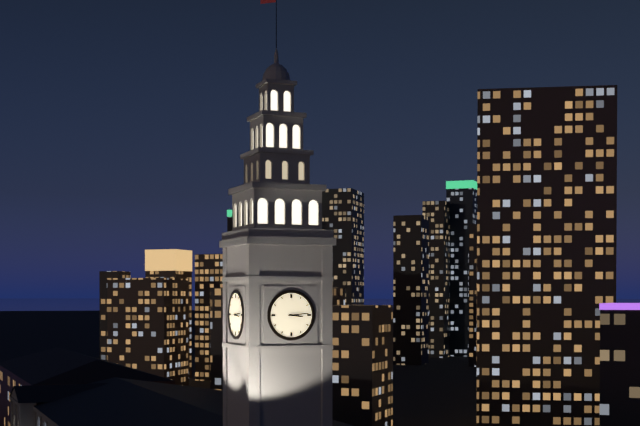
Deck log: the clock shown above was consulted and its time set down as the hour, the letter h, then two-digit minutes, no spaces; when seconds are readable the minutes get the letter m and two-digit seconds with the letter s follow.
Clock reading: 3h14
